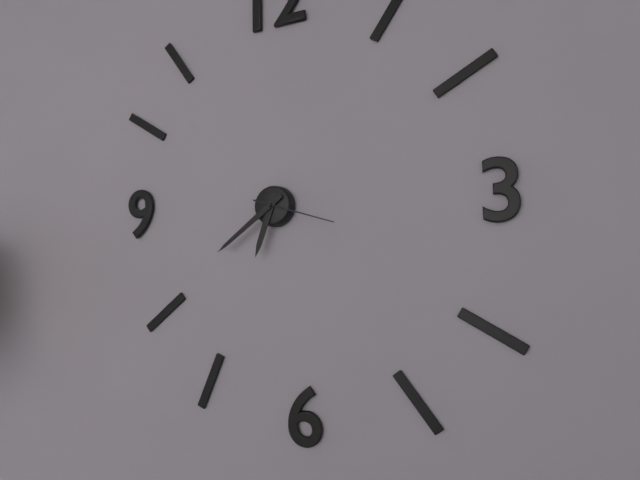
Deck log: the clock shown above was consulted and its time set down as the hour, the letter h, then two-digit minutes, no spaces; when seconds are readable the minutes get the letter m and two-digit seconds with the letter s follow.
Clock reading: 6h39m18s
